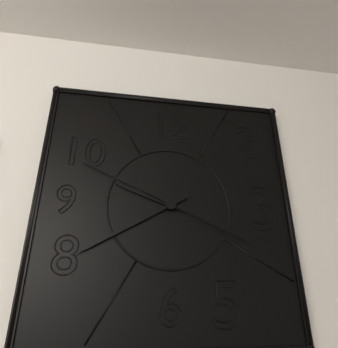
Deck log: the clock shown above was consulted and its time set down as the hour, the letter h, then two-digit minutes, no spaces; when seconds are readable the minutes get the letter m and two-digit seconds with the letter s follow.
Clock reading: 9h40m49s
